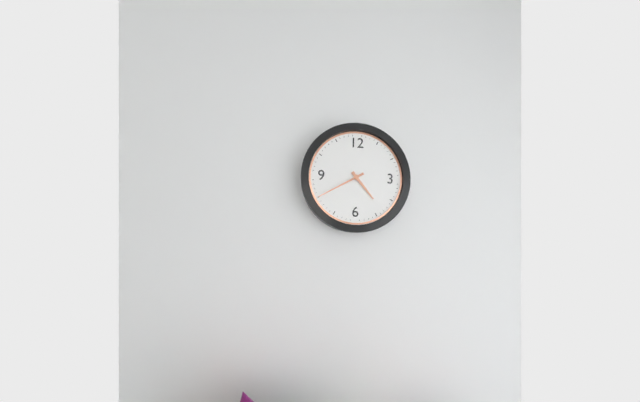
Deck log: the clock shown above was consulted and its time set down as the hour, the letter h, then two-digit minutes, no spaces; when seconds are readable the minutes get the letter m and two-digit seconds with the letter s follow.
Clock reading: 4h40
